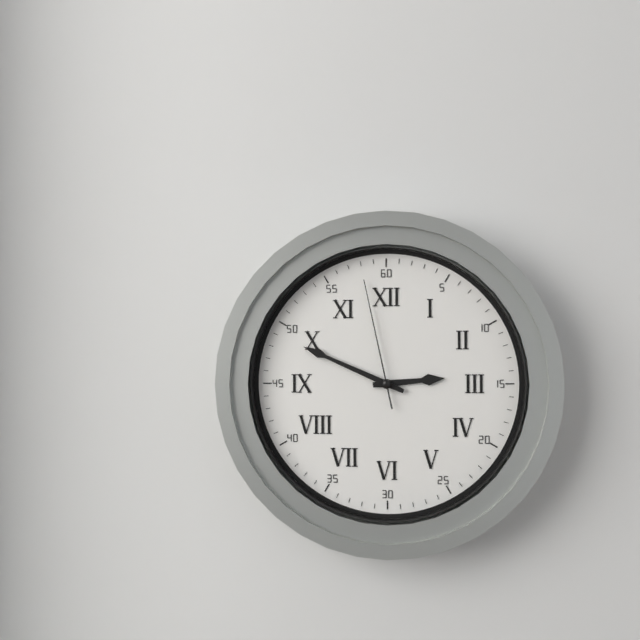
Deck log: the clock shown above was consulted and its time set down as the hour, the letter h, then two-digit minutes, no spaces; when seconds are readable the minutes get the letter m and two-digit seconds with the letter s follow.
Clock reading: 2h49m58s
